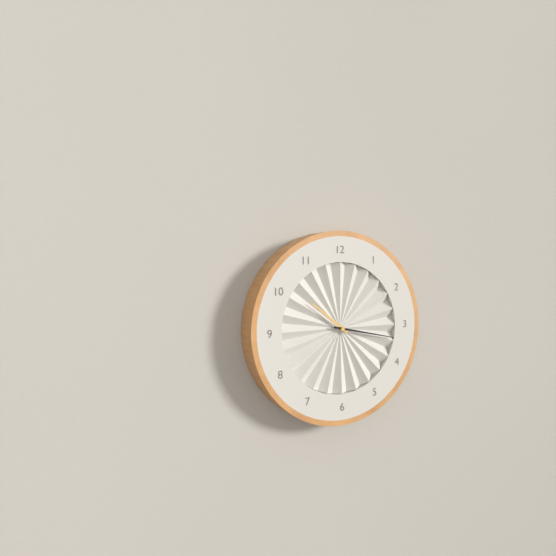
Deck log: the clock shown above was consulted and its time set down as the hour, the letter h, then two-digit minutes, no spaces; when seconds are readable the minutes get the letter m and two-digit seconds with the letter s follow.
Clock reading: 10h17
